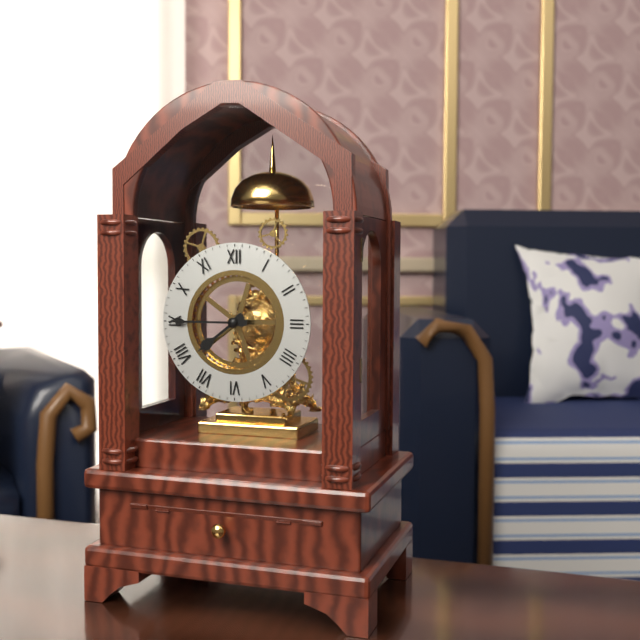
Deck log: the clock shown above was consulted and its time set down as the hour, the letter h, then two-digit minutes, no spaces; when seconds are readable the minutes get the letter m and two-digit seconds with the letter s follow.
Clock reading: 7h45
